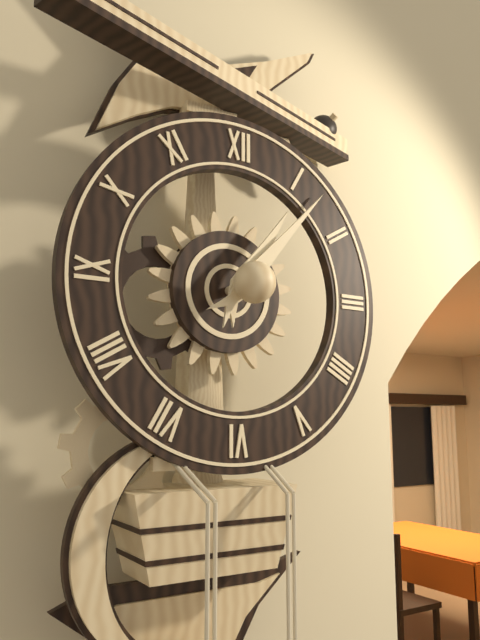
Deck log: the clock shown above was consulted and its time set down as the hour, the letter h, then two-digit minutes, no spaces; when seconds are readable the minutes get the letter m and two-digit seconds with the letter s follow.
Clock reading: 1h07
